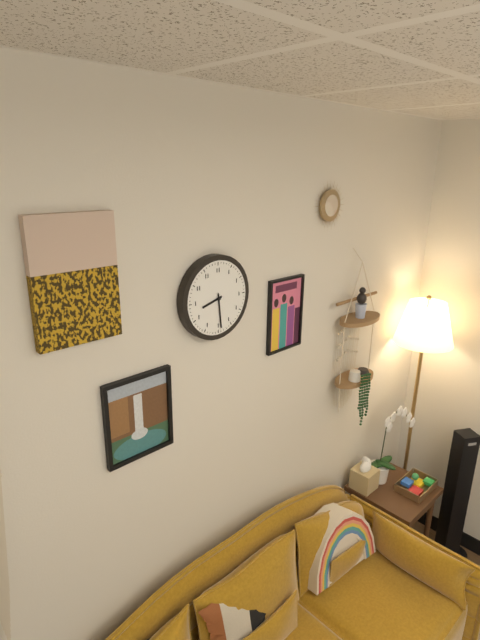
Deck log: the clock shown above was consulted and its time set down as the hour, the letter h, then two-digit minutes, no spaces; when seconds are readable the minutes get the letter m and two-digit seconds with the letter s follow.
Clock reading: 8h29
